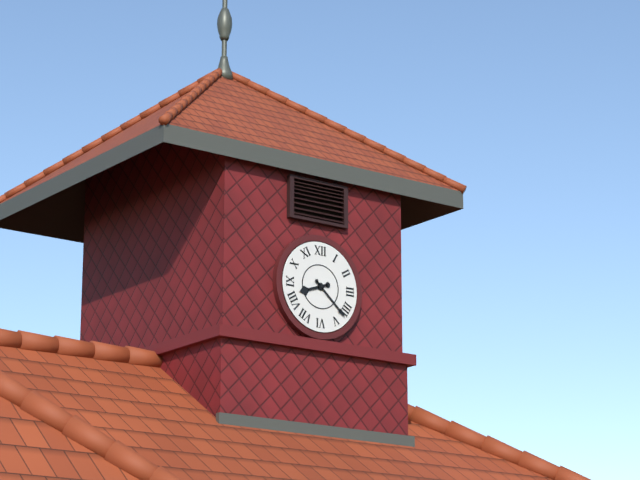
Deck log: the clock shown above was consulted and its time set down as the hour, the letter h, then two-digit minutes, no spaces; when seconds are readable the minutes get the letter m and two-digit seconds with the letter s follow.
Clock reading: 8h22
